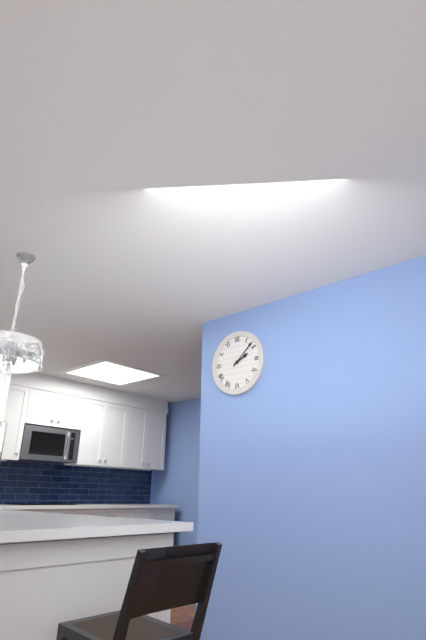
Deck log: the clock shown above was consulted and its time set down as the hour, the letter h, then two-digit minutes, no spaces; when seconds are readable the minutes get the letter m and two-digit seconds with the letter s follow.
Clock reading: 2h08
